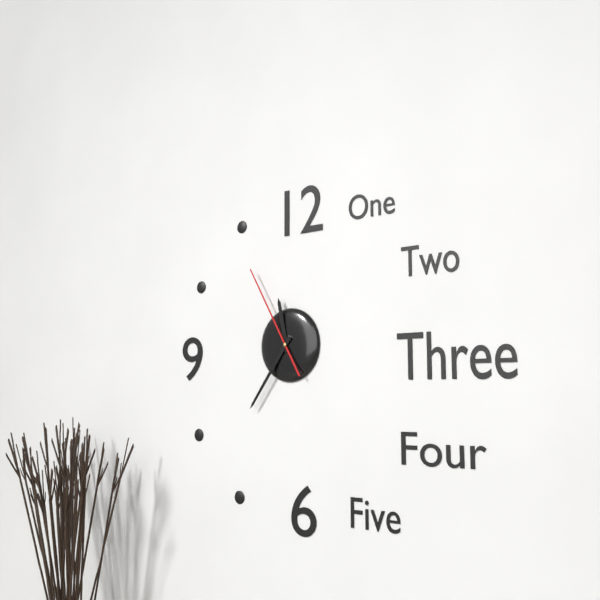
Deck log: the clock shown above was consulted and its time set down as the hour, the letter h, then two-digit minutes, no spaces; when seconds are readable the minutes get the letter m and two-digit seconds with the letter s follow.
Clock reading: 11h36m55s
